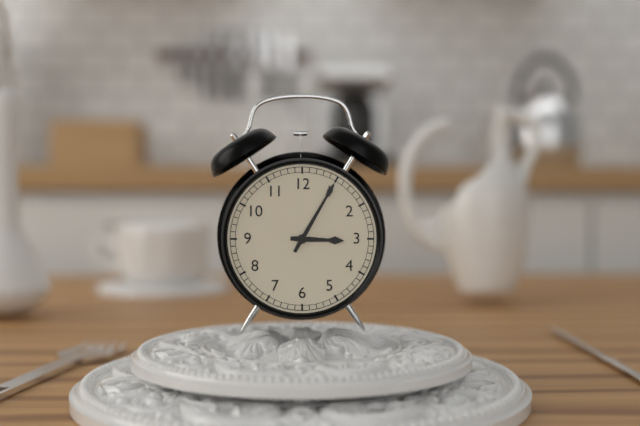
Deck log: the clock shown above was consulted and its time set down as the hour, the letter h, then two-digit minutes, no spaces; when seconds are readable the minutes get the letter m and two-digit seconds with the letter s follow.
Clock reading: 3h05
